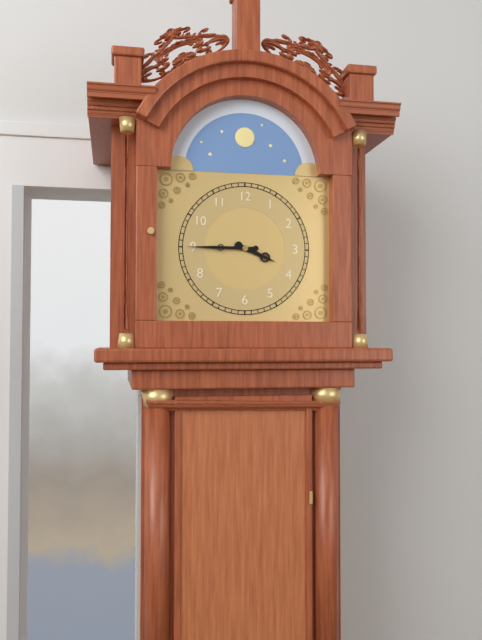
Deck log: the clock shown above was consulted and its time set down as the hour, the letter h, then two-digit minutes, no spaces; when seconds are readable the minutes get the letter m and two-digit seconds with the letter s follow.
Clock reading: 3h45
